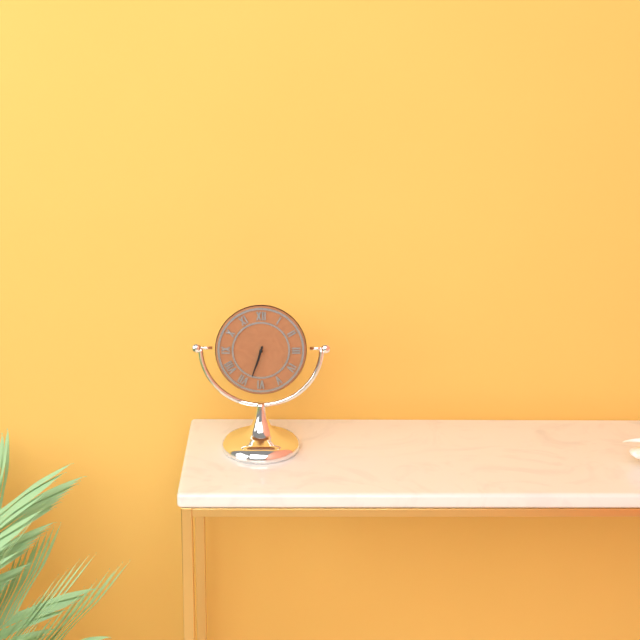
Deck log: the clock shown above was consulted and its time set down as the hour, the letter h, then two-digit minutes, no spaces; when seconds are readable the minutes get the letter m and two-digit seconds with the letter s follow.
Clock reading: 6h33
